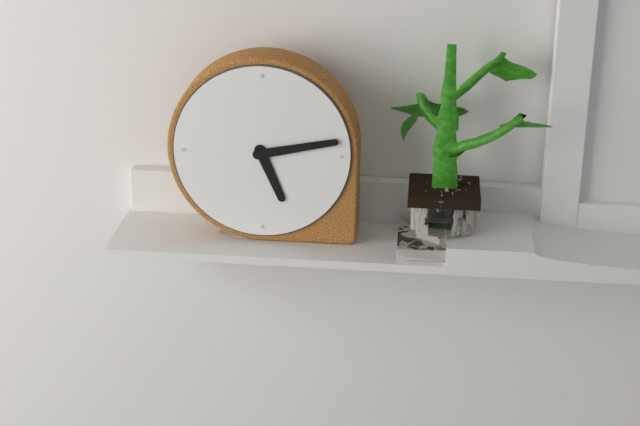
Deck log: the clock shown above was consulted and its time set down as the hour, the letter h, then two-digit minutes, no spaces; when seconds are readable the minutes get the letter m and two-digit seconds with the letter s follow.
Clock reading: 5h13
